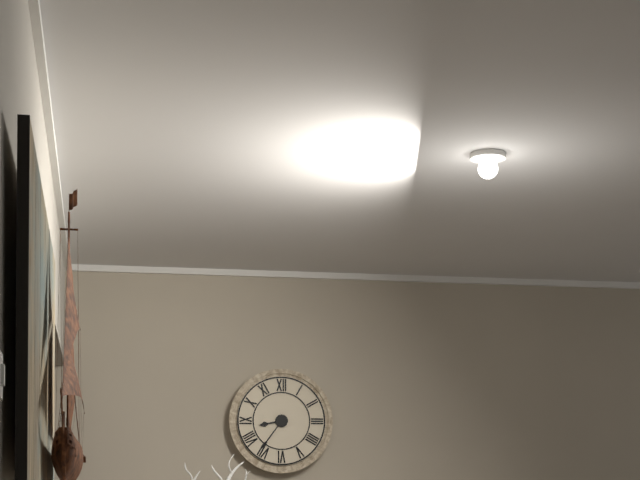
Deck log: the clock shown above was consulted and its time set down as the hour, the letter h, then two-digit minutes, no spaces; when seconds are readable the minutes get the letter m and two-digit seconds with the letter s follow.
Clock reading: 8h36
